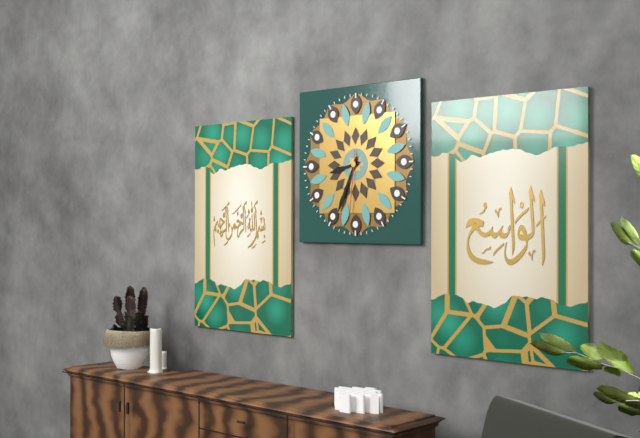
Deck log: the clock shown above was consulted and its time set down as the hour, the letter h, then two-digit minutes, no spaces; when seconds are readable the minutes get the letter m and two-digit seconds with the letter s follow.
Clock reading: 8h34m31s
